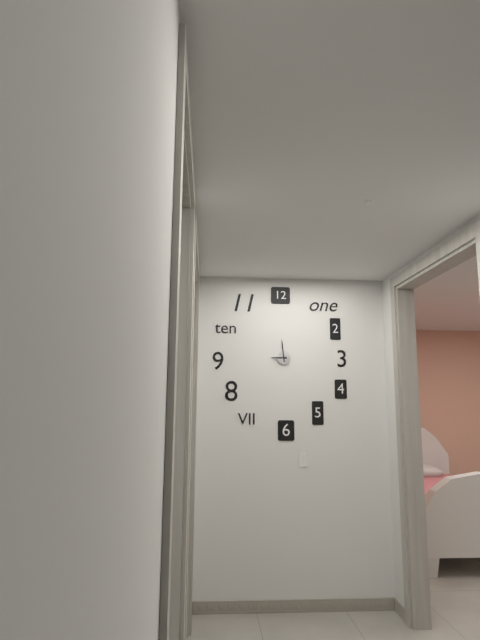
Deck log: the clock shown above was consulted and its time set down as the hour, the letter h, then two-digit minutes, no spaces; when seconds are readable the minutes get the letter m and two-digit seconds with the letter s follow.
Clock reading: 8h59
